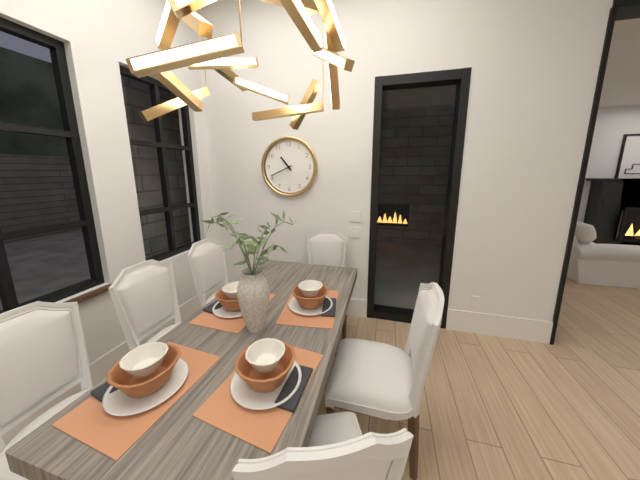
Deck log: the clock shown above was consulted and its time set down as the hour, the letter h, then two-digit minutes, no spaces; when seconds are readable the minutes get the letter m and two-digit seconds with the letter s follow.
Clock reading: 10h41
